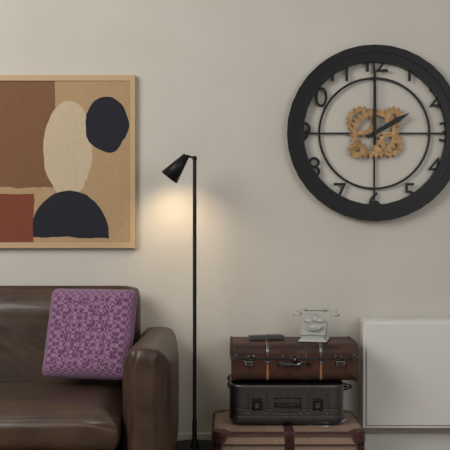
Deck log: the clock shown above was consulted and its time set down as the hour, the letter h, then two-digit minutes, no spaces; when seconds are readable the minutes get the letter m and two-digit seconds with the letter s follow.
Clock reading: 2h00
